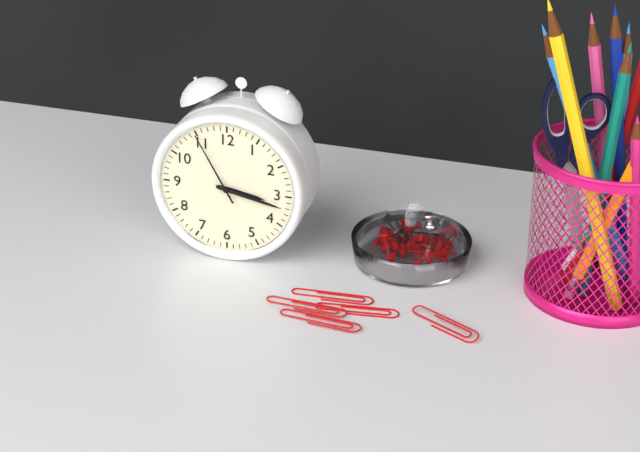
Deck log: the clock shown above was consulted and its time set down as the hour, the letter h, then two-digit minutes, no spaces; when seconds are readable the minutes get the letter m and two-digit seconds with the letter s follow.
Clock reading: 3h17m55s
